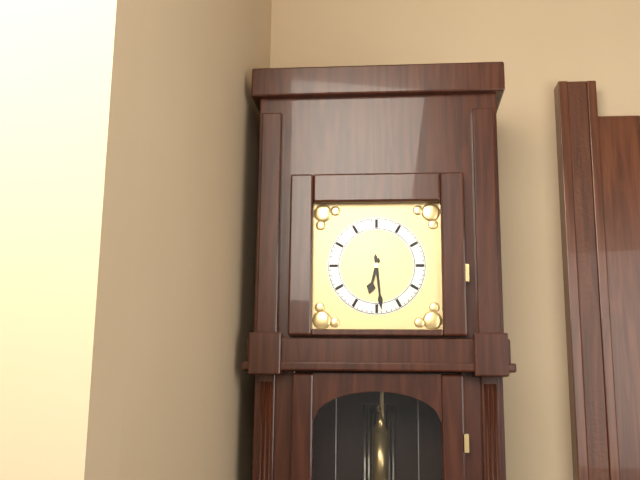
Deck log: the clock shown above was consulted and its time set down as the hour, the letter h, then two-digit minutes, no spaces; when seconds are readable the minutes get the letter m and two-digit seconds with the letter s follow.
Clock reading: 6h29
